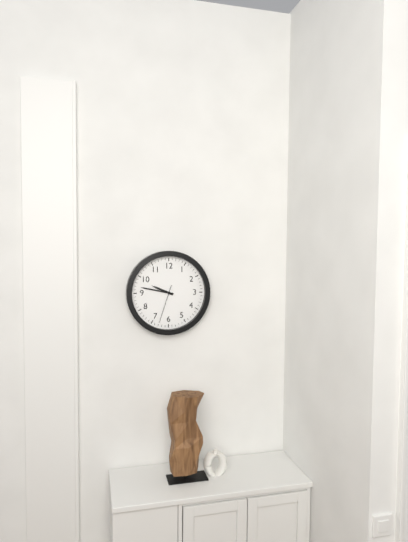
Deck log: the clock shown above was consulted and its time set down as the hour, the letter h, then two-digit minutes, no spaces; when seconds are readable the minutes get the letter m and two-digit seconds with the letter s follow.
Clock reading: 9h47
